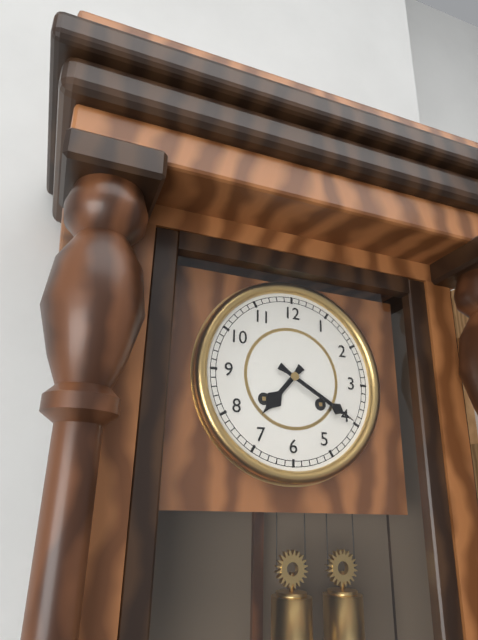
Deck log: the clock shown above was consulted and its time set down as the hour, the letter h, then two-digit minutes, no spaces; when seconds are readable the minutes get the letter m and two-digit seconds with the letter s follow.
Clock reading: 7h20
